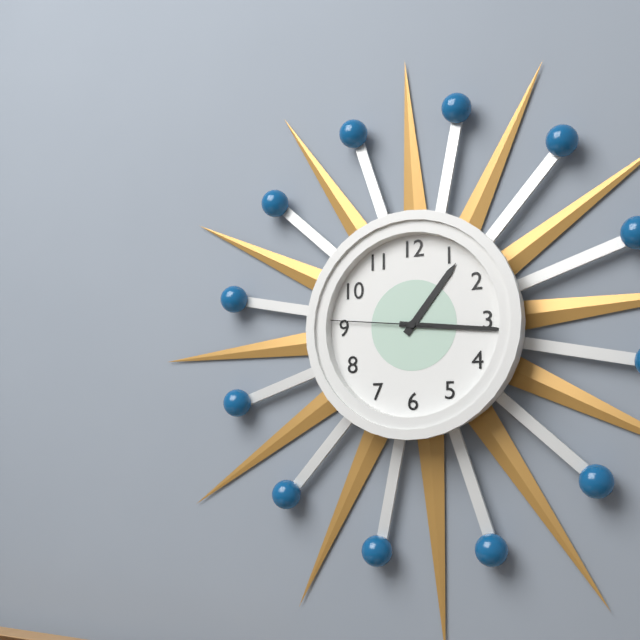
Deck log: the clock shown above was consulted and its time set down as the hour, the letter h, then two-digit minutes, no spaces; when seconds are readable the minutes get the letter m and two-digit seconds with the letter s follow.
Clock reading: 1h16m46s
